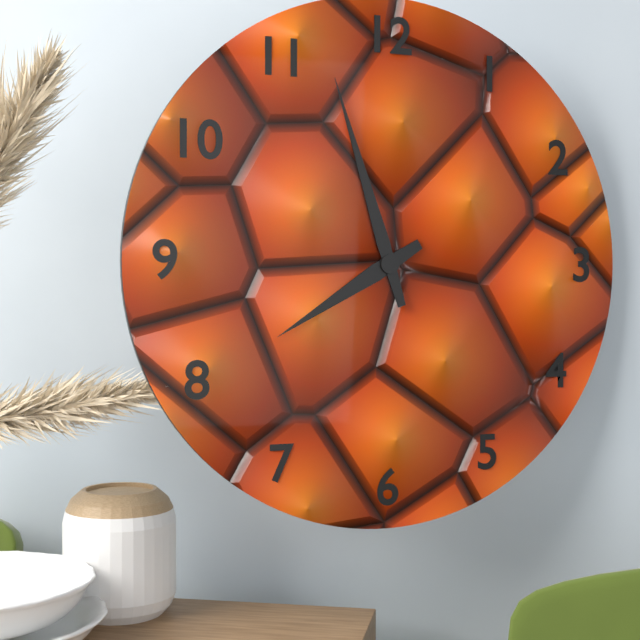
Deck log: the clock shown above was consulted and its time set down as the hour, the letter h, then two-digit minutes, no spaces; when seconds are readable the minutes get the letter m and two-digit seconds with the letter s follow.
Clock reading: 7h57
